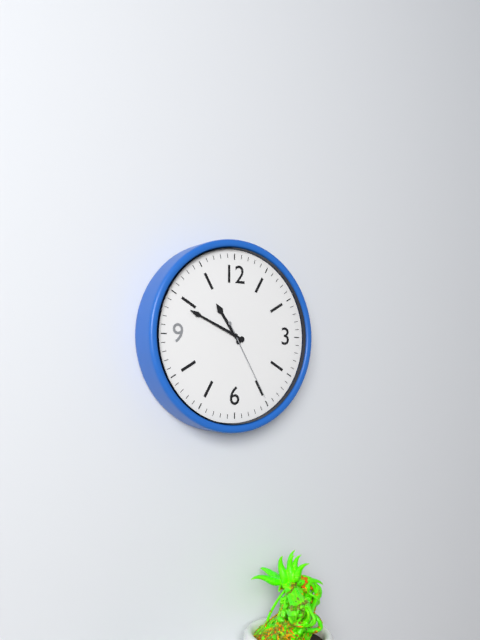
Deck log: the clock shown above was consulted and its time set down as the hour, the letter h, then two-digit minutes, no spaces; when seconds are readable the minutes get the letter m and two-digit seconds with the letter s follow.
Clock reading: 10h49m25s
